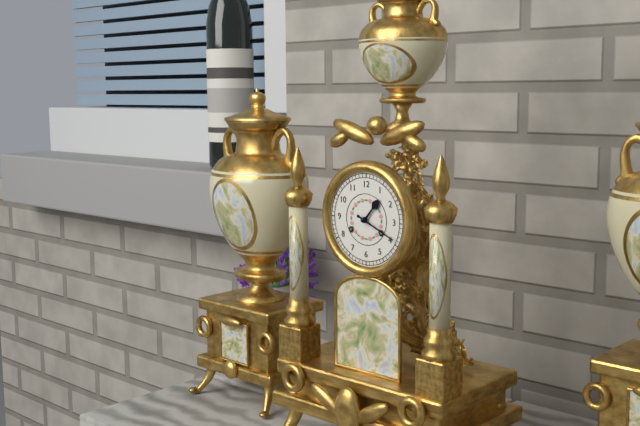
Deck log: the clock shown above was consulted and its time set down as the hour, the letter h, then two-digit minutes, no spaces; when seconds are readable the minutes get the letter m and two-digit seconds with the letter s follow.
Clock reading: 1h19
